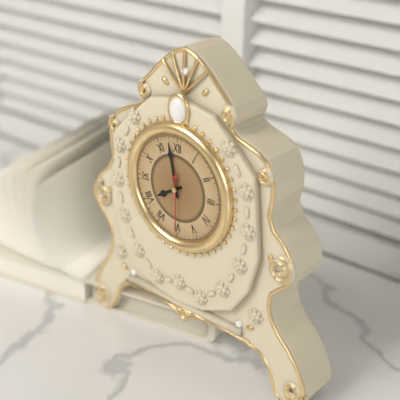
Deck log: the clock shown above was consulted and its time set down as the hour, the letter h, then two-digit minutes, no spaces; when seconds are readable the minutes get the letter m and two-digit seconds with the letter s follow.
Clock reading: 7h58m30s
